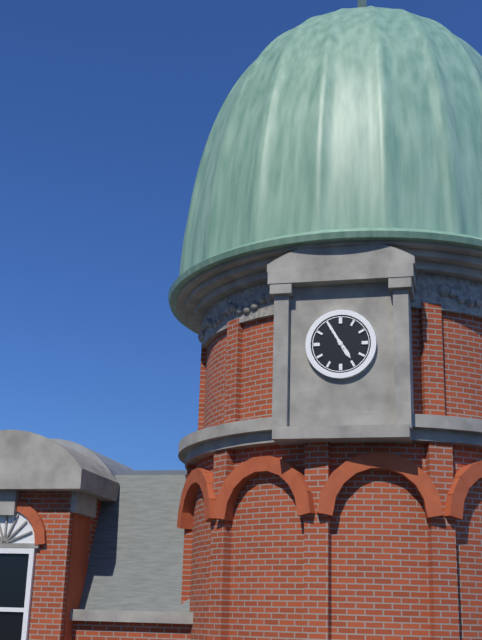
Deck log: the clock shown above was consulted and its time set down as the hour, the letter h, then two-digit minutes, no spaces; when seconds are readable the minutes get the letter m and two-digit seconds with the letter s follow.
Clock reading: 4h55
